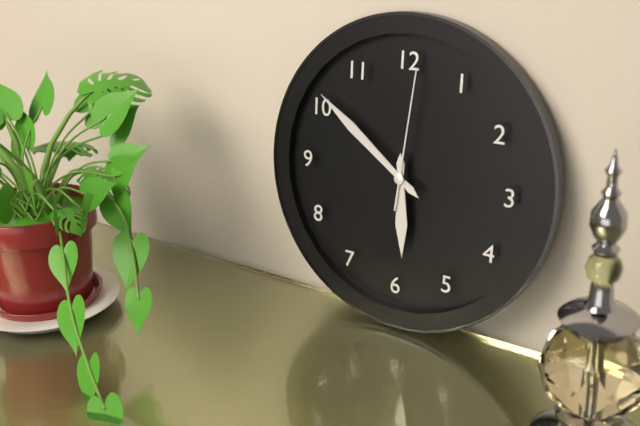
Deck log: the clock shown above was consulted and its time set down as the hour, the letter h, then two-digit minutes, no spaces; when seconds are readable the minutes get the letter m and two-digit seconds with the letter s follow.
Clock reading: 5h51m01s
